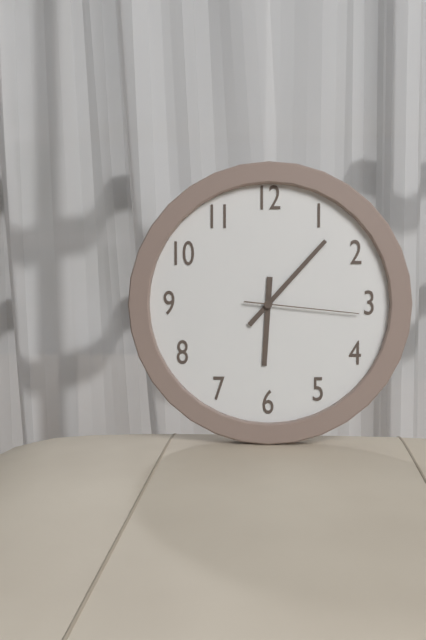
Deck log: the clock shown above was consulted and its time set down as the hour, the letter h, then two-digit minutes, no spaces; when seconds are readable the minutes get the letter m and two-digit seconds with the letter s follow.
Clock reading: 6h07m16s
